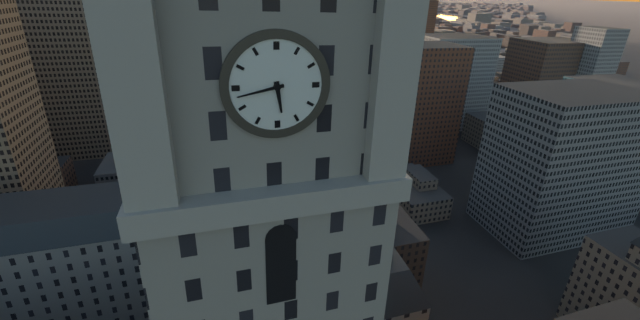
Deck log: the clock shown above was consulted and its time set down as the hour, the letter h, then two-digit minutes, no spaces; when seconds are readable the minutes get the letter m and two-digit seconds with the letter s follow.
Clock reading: 5h43
